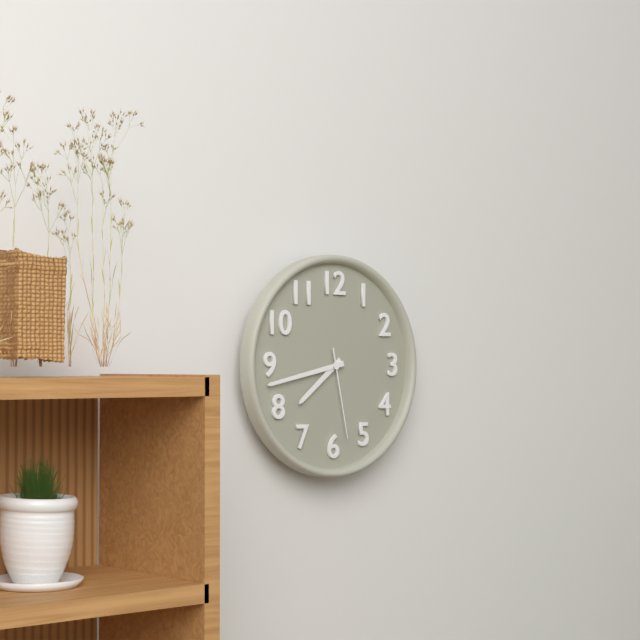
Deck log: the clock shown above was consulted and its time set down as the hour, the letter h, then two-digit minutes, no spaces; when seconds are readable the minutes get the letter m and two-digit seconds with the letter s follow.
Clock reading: 7h43m28s
